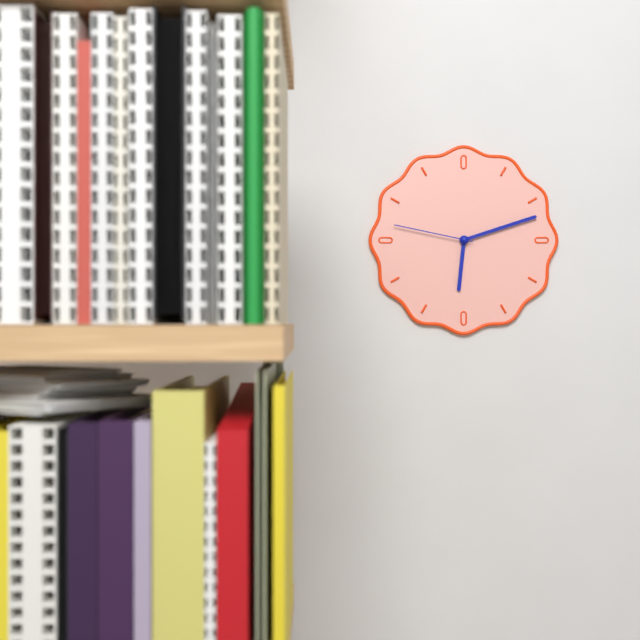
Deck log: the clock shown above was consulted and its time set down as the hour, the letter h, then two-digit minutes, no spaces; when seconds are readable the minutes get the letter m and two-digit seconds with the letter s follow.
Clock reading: 6h12m47s
